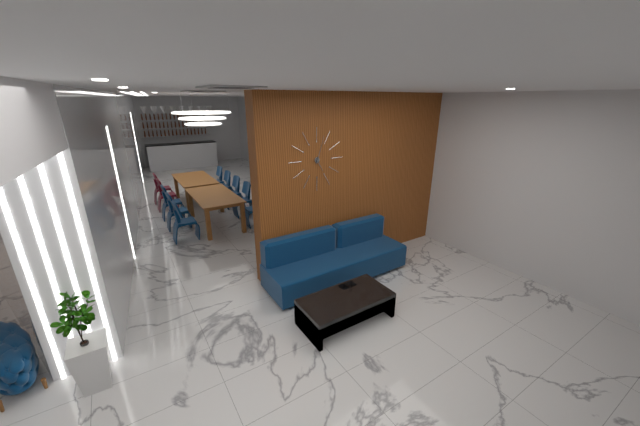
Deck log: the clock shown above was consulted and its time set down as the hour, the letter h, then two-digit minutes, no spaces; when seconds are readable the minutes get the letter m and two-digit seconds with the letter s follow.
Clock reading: 5h03
